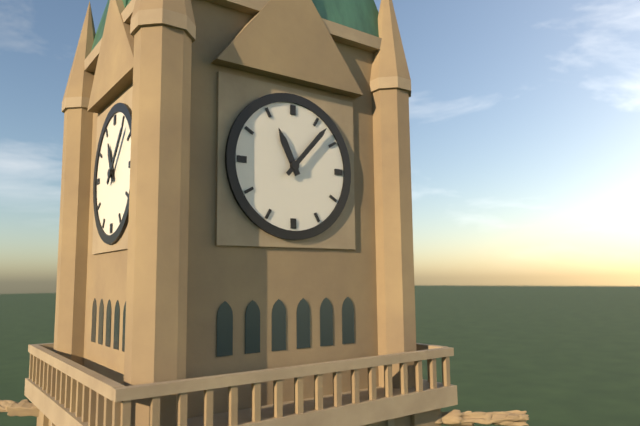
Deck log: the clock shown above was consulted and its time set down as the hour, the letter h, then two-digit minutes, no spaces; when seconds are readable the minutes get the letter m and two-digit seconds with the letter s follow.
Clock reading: 11h07
